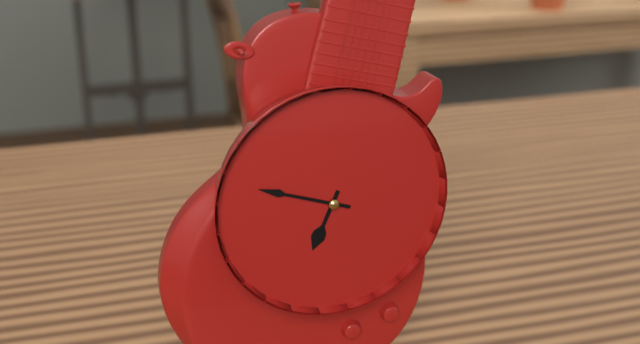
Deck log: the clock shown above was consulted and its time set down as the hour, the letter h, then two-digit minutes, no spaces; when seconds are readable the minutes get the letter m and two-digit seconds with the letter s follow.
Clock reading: 6h48
